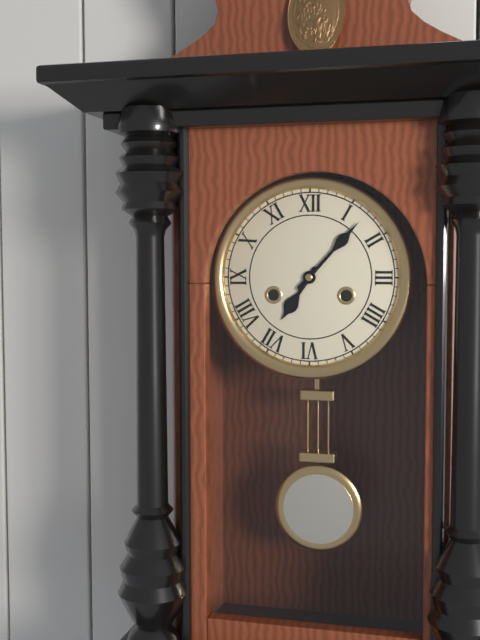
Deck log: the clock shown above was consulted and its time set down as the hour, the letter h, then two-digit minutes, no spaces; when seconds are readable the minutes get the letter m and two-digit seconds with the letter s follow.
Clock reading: 7h07
